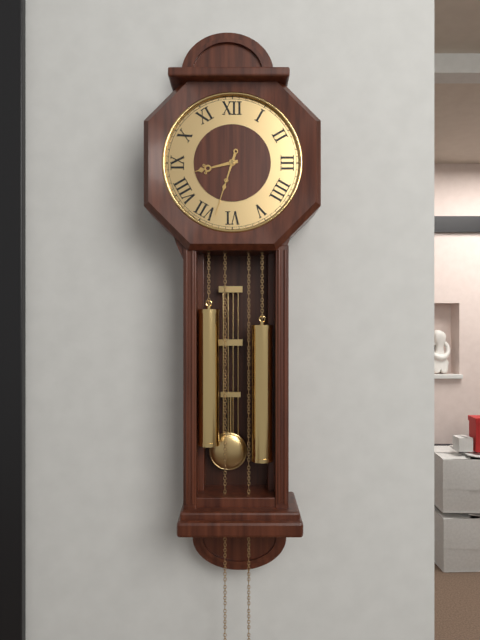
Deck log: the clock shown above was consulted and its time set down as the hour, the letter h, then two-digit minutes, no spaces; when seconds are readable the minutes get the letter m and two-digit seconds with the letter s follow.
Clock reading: 8h33
